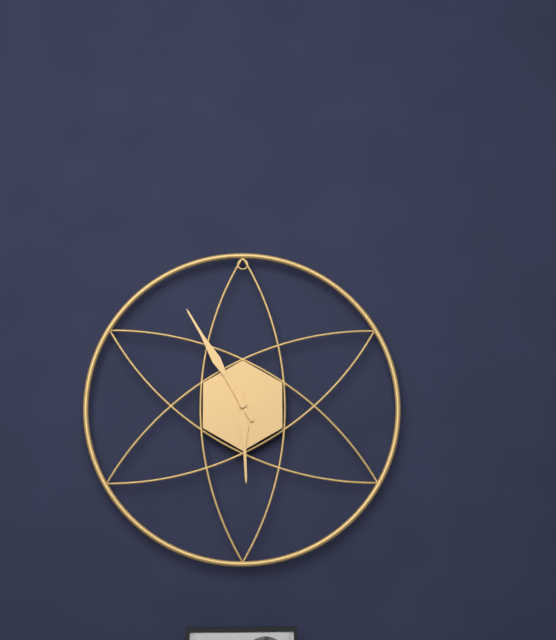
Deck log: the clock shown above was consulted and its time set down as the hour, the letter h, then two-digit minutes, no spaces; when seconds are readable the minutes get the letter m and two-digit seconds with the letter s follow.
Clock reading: 5h55
